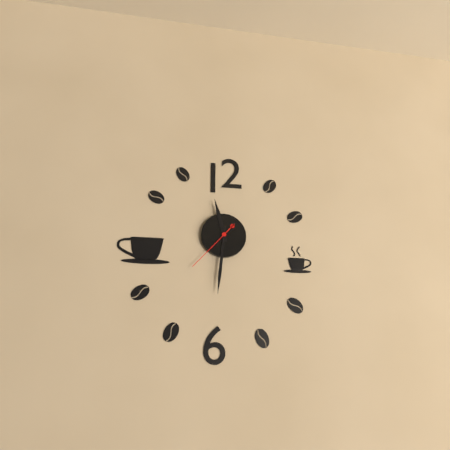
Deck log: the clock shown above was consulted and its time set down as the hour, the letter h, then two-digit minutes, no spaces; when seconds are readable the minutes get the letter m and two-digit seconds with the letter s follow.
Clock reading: 11h31m37s
